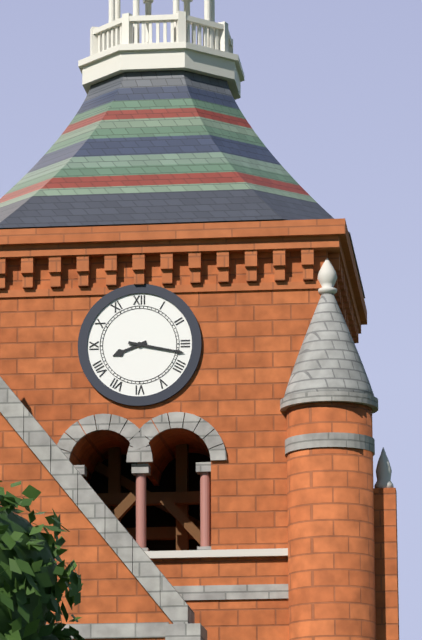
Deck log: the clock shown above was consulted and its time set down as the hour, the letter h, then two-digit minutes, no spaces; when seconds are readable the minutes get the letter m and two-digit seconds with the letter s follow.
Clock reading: 8h17
